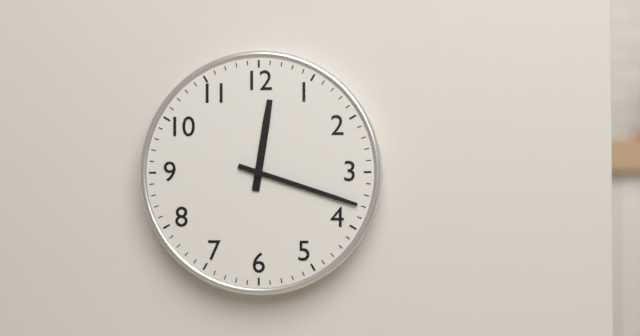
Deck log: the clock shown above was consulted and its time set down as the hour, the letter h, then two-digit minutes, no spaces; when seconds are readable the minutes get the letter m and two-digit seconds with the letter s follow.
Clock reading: 12h18
